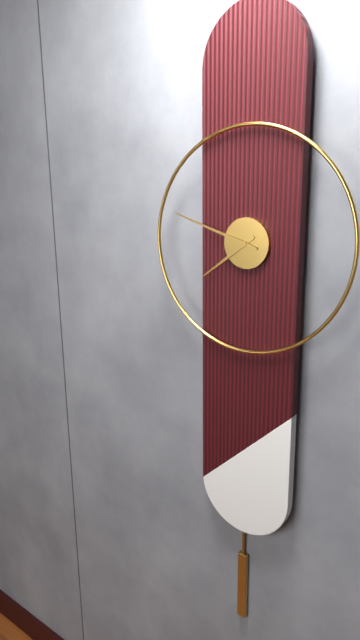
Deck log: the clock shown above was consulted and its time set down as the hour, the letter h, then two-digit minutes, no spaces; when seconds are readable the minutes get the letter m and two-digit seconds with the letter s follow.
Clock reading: 7h48
